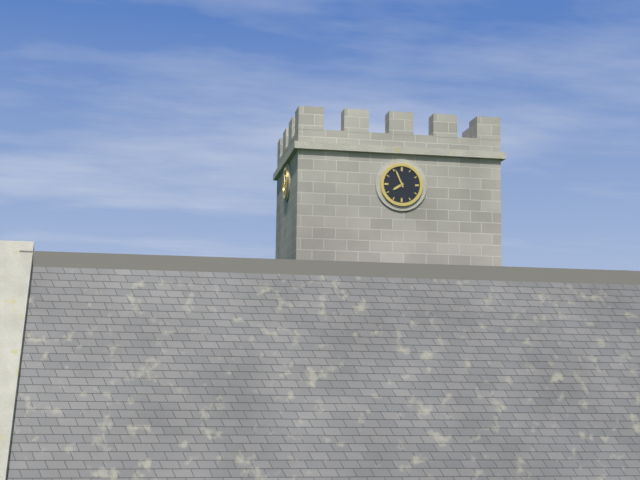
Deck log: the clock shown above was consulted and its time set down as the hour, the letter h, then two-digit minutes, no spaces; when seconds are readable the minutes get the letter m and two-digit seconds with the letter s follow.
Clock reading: 7h56
